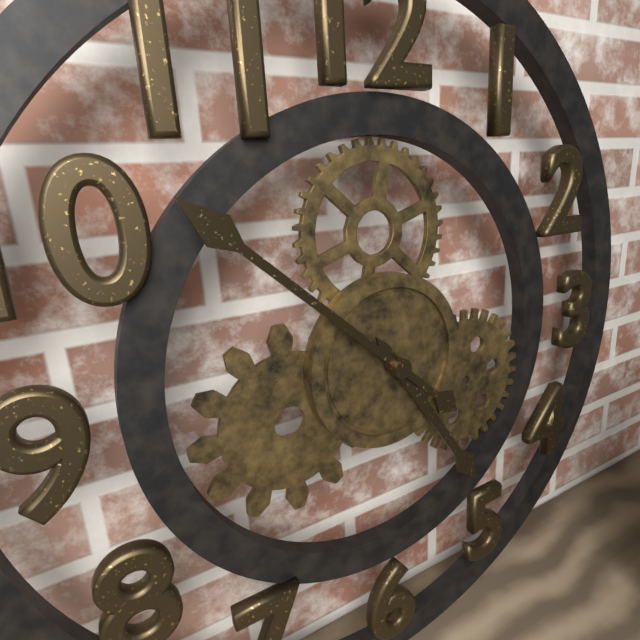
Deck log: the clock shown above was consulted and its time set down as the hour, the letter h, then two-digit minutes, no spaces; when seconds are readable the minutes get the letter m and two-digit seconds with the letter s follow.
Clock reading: 4h52
